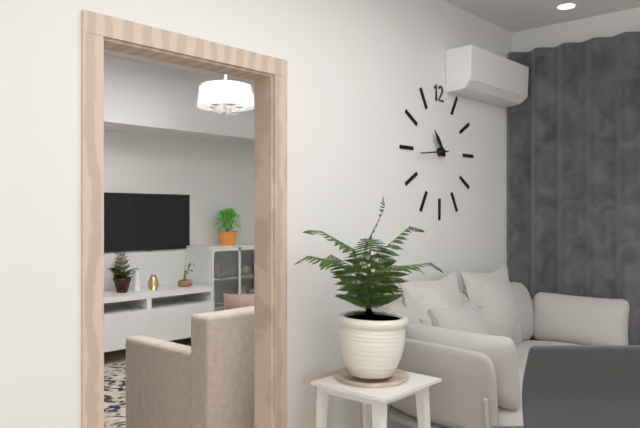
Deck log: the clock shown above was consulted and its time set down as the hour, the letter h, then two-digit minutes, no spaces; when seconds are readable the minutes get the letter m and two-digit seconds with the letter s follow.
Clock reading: 10h44
